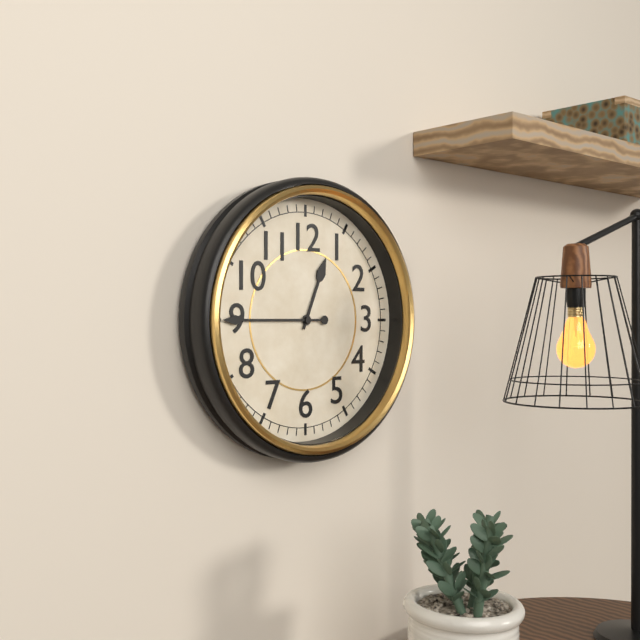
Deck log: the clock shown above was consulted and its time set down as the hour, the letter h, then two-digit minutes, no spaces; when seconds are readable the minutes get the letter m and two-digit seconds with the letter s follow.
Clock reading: 12h45
